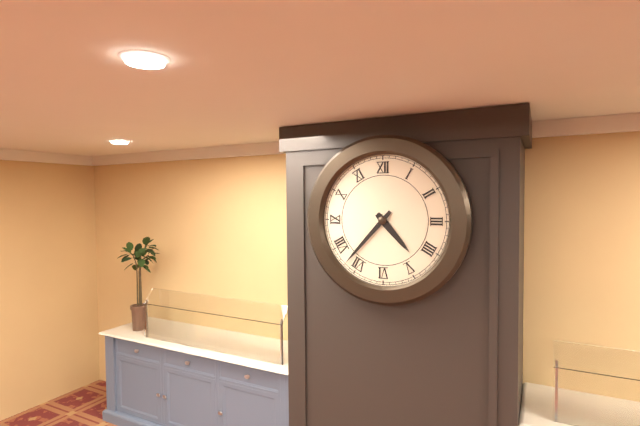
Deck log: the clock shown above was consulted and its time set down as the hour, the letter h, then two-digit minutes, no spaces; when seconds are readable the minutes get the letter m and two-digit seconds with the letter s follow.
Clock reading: 4h37
